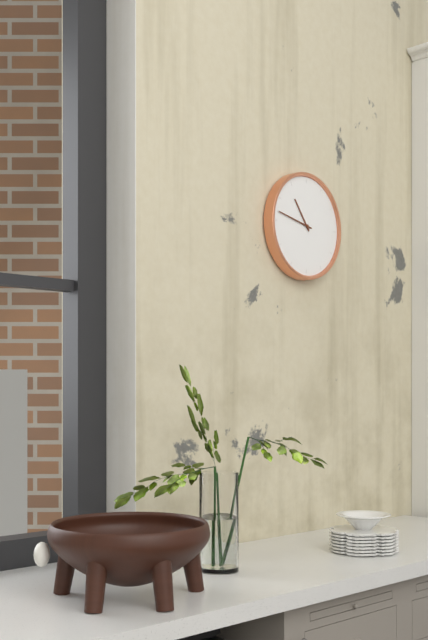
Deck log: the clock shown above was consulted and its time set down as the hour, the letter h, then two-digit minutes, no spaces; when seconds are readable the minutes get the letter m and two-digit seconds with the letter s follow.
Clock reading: 10h47
